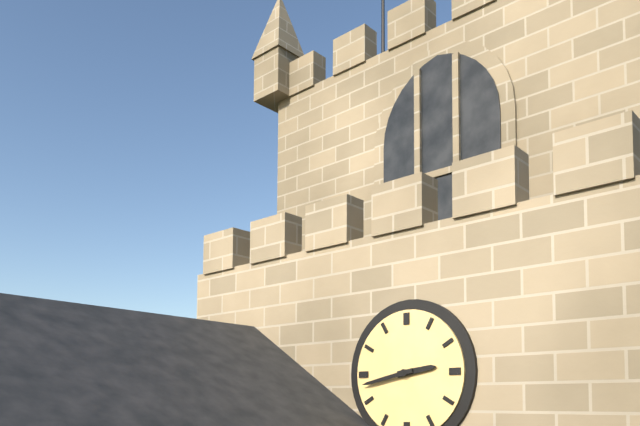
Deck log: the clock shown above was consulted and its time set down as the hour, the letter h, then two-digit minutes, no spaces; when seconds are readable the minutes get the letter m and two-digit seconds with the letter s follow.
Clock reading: 2h43
